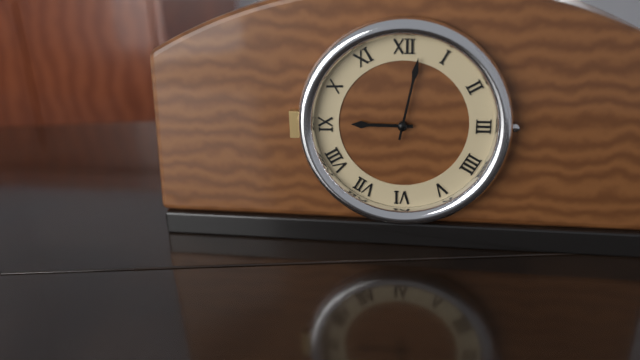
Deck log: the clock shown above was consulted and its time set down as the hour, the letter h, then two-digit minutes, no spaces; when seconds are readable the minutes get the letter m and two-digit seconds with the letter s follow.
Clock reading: 9h02
